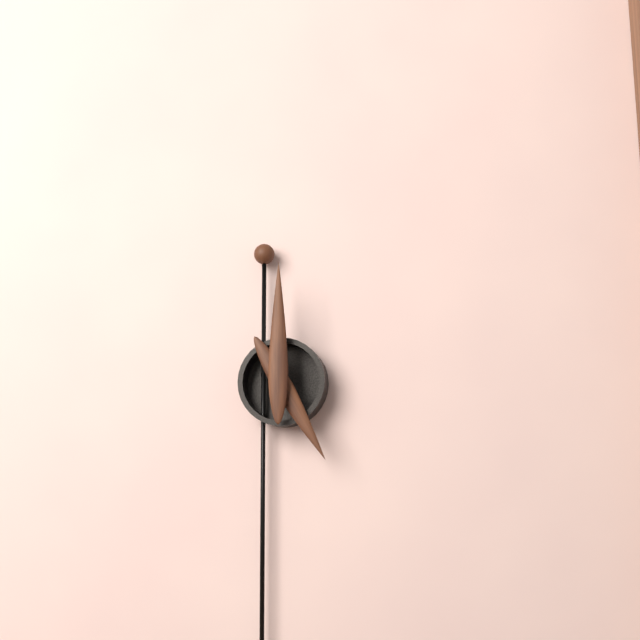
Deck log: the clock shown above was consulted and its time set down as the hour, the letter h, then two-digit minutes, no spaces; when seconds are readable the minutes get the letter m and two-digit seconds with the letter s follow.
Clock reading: 5h00
